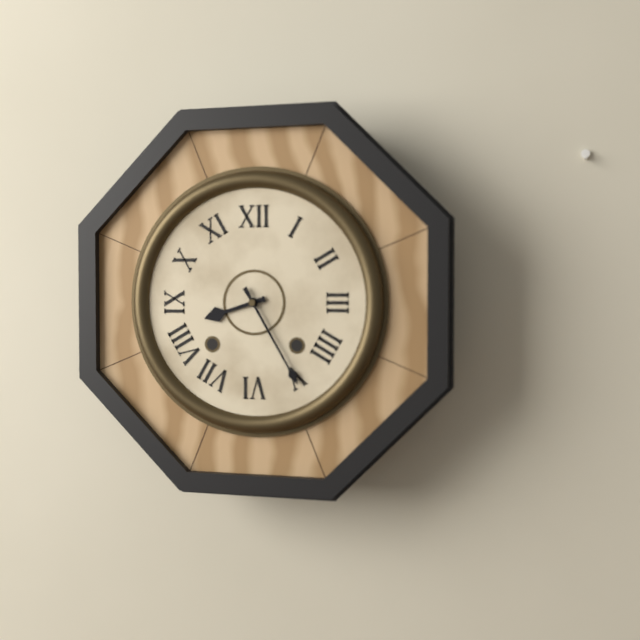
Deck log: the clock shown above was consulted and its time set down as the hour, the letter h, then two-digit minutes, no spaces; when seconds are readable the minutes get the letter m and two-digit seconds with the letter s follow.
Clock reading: 8h25
